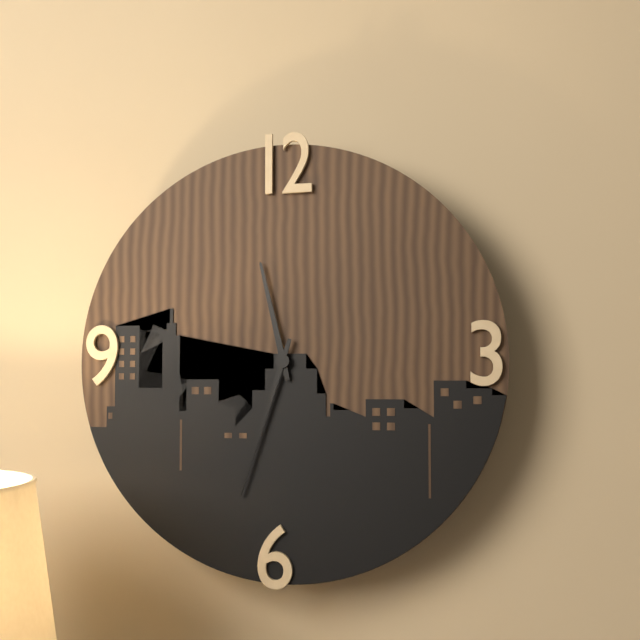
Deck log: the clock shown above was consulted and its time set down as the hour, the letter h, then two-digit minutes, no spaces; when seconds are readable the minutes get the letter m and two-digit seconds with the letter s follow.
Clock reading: 11h33
